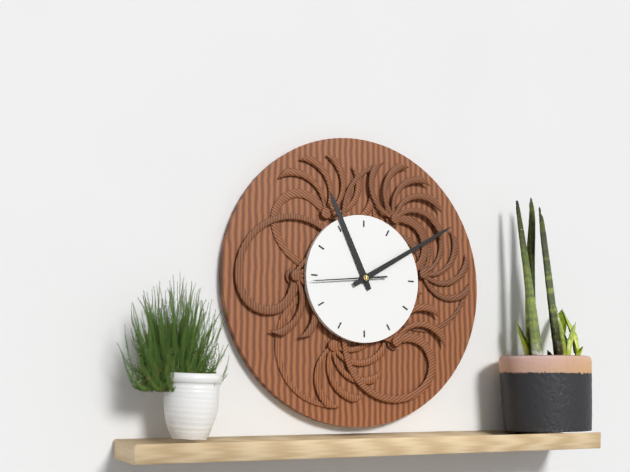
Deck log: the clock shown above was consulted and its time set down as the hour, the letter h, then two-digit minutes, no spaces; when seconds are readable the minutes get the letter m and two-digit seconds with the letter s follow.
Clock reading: 11h10m44s
